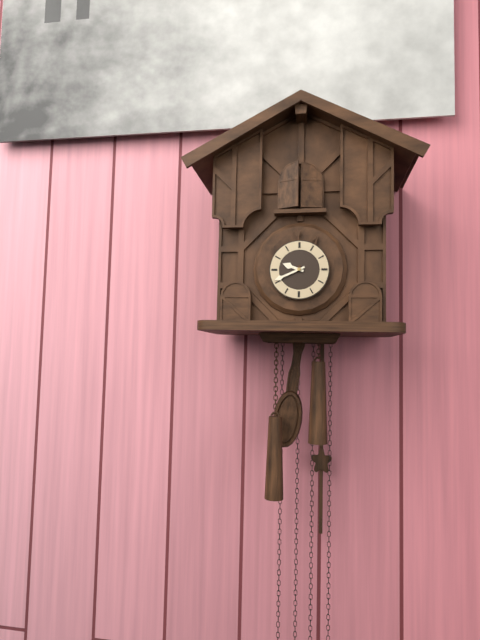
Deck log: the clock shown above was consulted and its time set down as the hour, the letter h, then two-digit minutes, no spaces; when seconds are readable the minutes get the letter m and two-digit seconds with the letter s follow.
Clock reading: 9h41
